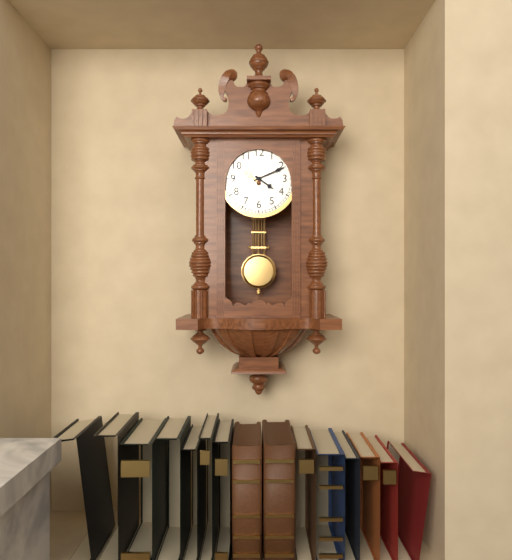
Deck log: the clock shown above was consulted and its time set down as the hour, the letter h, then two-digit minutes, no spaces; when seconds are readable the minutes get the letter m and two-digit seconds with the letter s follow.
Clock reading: 4h11
